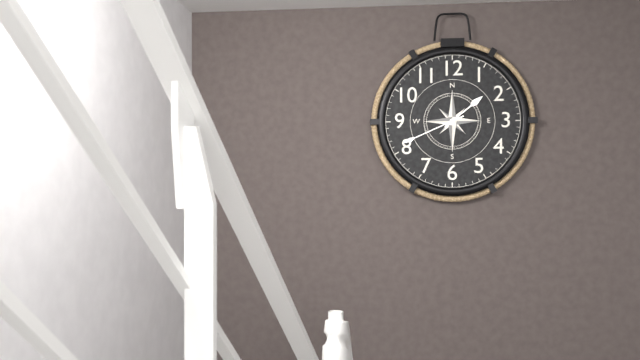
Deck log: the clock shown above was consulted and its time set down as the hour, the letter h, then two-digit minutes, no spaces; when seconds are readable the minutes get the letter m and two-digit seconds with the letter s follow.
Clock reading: 1h41
